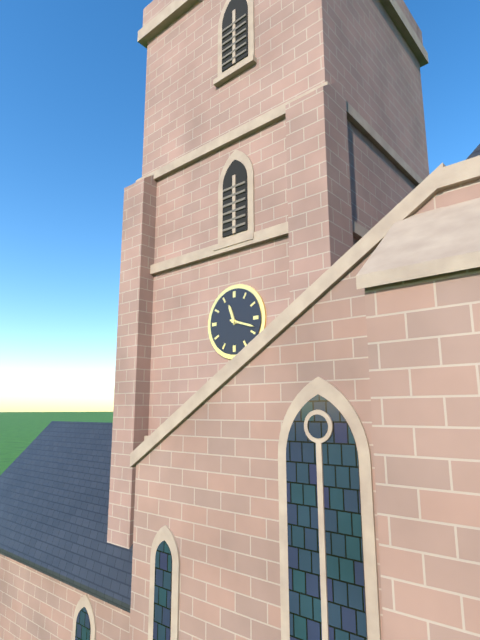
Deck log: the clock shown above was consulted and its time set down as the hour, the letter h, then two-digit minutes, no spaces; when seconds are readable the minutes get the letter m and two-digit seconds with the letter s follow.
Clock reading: 11h18
